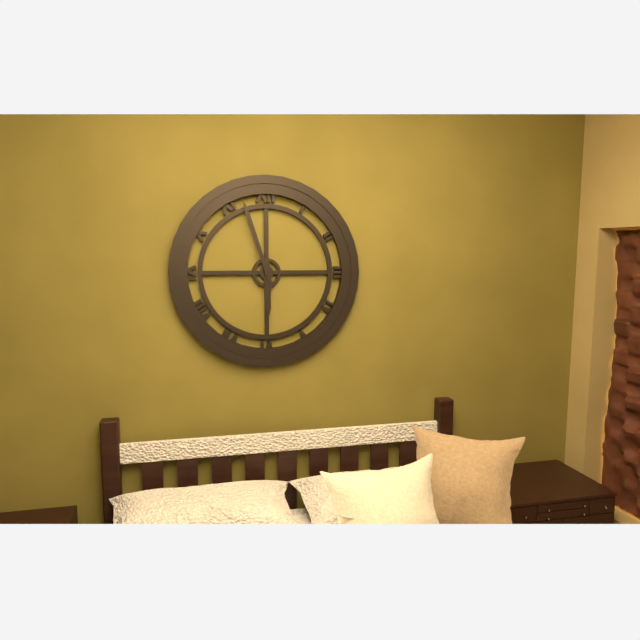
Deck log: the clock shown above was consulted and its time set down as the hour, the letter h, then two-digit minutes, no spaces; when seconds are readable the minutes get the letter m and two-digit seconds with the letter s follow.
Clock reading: 5h57
